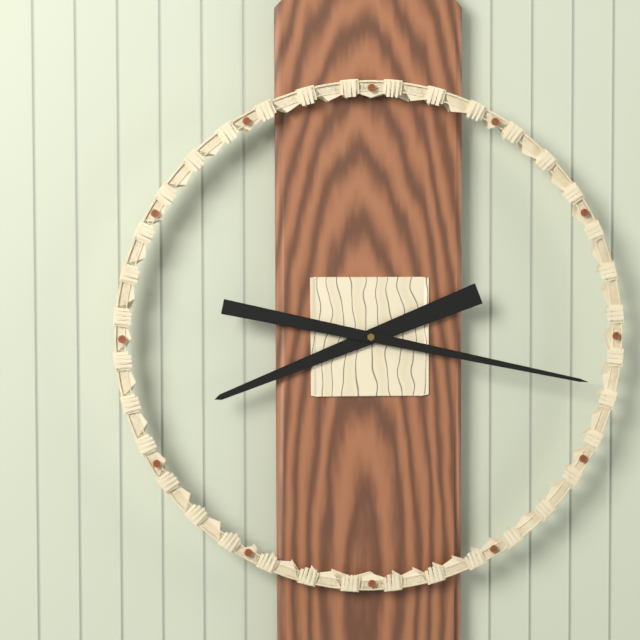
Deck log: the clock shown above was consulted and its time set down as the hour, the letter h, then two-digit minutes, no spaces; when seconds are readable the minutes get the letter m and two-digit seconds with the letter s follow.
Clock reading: 8h17
